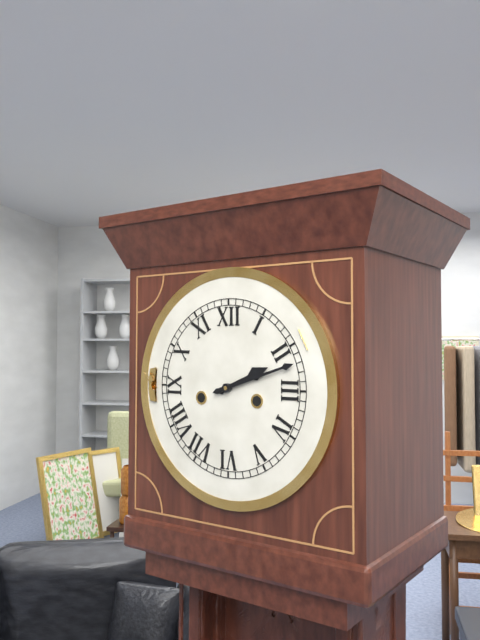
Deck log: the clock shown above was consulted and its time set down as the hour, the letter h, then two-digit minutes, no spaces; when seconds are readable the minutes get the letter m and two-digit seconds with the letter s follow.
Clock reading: 2h12
